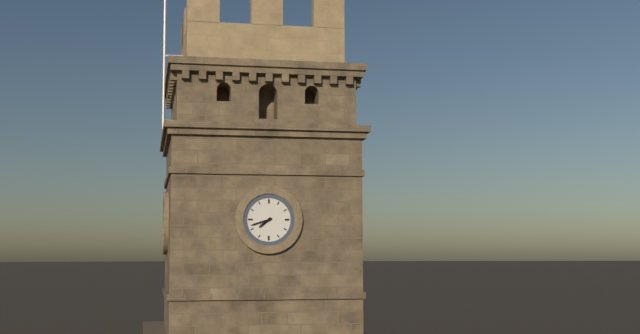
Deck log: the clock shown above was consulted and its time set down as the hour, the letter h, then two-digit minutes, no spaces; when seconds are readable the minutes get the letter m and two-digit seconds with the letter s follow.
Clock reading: 7h42
